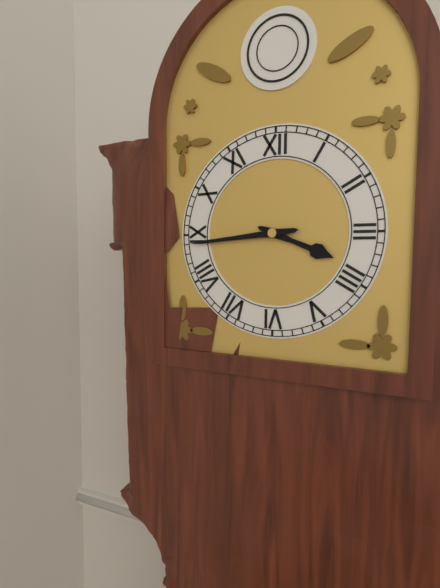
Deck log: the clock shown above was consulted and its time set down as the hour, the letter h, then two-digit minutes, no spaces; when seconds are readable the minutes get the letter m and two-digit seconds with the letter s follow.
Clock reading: 3h44
